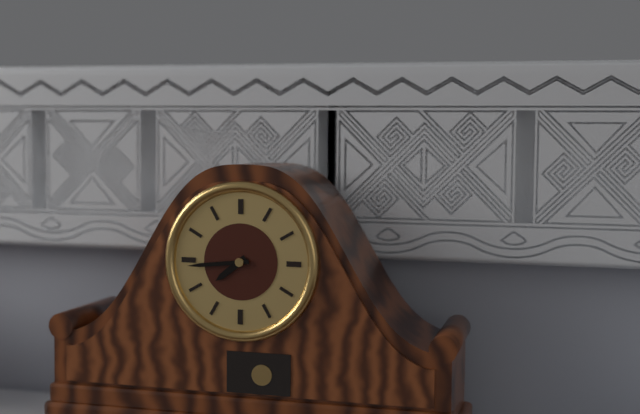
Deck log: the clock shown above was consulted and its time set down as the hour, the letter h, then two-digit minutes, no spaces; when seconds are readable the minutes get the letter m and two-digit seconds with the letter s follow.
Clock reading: 7h44
